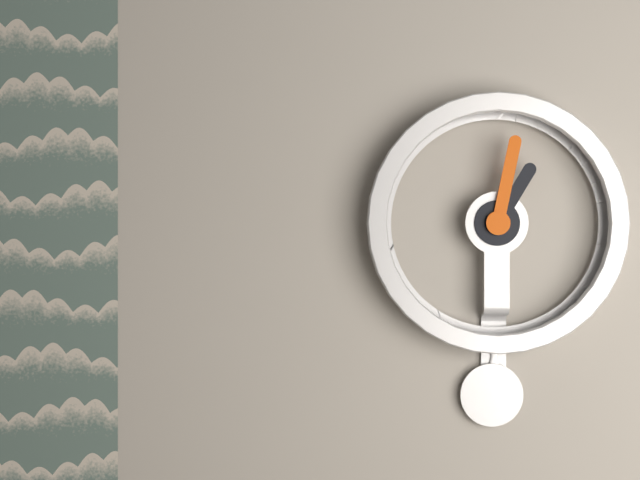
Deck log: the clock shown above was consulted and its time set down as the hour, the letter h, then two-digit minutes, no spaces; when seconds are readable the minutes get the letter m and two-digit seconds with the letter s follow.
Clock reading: 1h02
